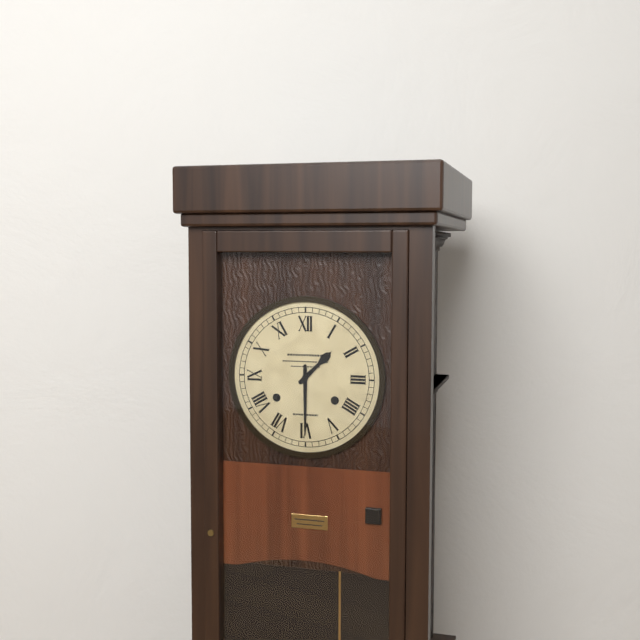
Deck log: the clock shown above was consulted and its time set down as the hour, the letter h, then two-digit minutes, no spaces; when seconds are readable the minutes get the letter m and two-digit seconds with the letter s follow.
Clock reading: 1h30
